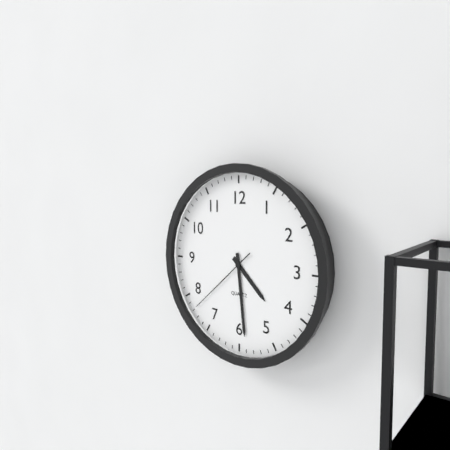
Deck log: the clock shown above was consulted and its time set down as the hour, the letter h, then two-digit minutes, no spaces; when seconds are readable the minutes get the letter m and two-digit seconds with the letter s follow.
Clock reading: 4h29m38s
